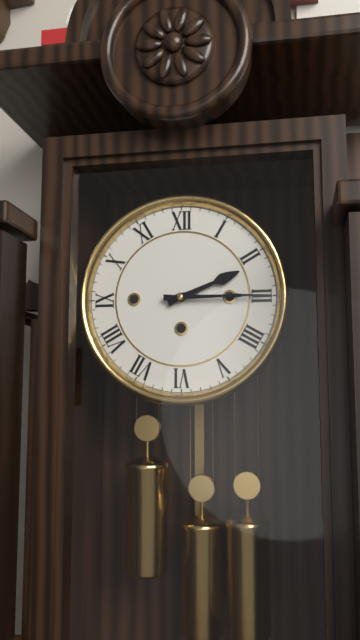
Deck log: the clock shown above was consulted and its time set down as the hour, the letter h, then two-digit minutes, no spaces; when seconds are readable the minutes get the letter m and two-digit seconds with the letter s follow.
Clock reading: 2h15
